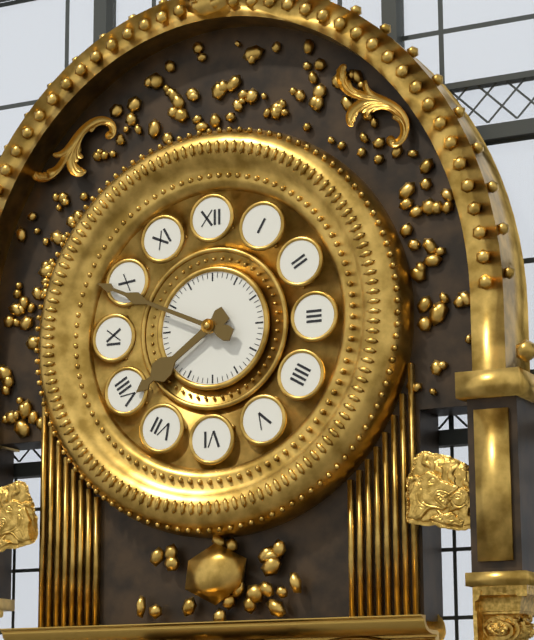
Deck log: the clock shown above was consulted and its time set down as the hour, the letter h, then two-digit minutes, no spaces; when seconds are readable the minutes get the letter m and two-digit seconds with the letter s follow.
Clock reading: 7h49
